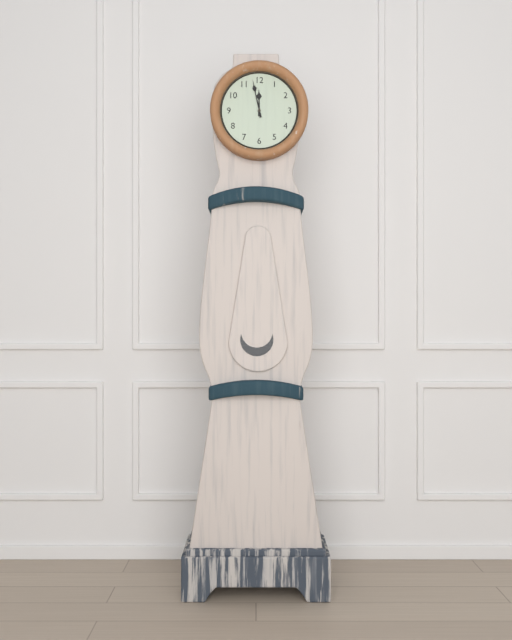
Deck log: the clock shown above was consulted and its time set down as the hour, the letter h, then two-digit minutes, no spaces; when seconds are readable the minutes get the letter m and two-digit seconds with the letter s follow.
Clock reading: 11h58
